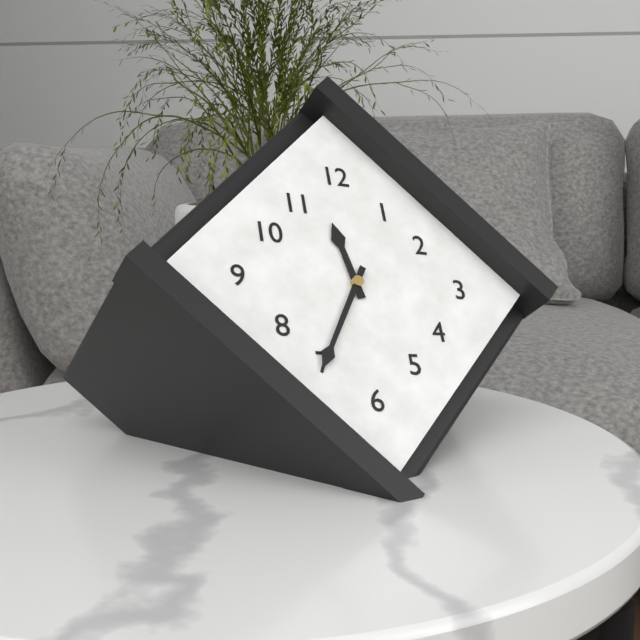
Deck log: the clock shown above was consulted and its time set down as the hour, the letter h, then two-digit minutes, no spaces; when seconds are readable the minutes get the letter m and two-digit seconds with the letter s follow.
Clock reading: 11h35
